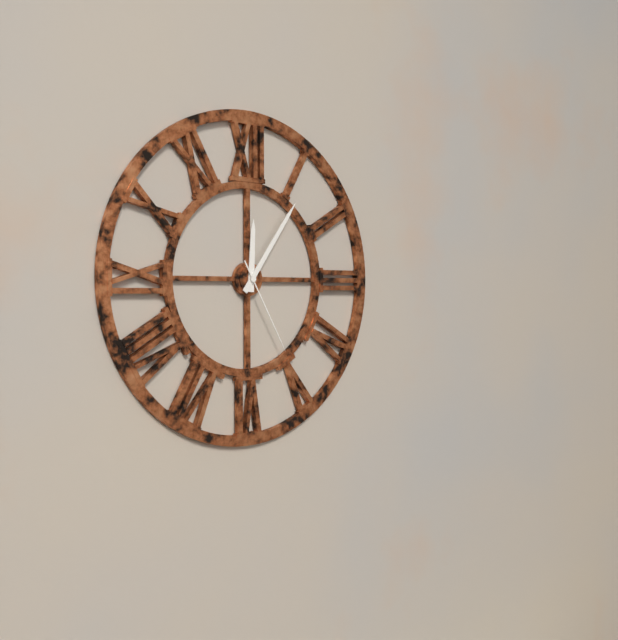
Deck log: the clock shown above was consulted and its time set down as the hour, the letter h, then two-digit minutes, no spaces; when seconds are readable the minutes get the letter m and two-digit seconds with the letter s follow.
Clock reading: 12h06m25s
